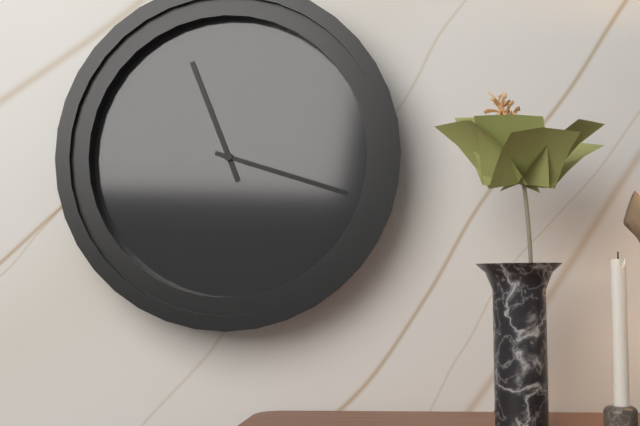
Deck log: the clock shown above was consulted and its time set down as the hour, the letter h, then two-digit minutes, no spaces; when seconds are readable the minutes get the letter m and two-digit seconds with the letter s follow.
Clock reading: 11h18
